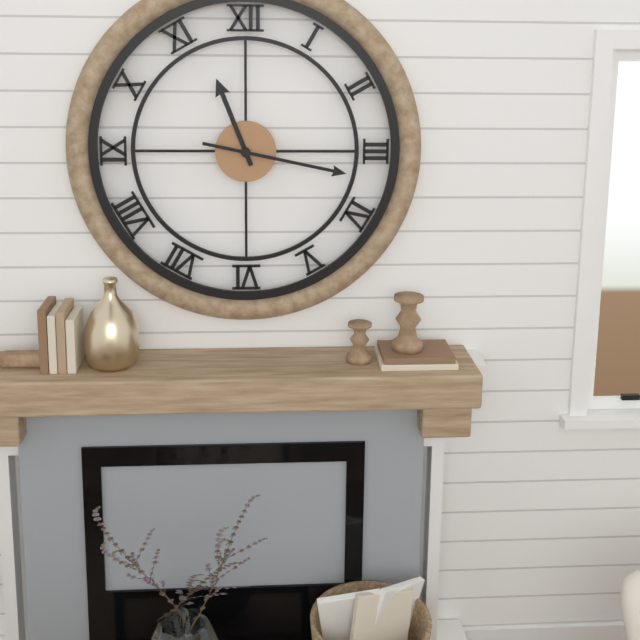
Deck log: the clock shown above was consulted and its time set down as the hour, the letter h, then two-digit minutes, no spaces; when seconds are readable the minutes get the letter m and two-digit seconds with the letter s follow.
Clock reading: 11h17
